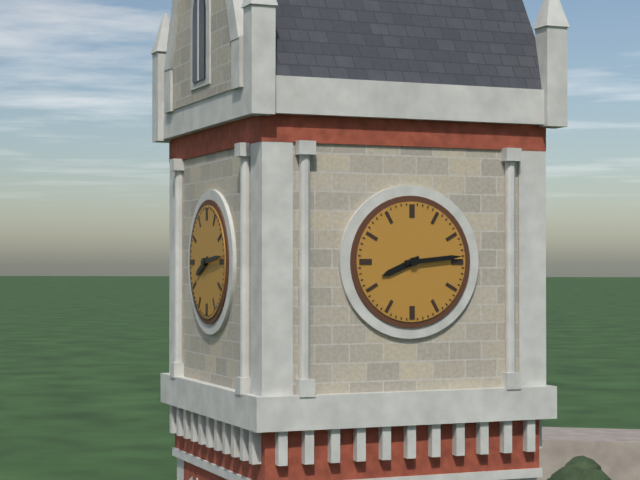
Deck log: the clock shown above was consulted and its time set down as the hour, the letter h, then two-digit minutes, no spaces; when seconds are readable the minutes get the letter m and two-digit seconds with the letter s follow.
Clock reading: 8h14
